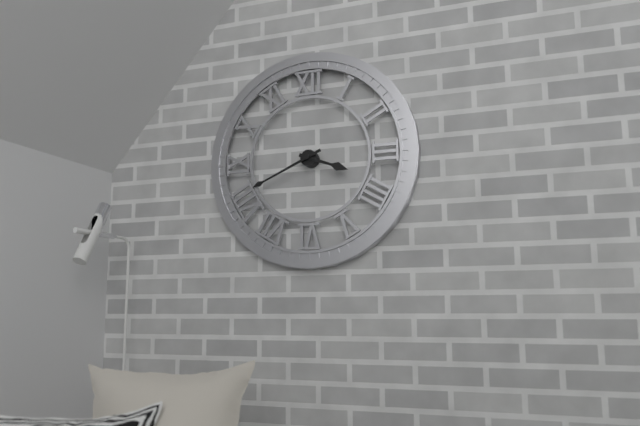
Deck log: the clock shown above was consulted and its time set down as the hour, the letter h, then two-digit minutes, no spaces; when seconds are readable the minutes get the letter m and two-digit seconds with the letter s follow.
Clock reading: 3h41
